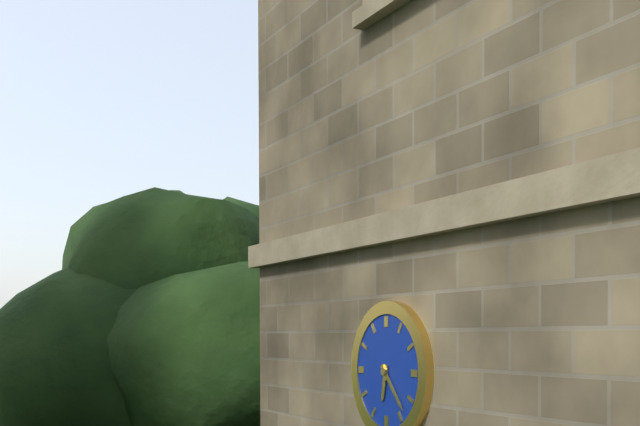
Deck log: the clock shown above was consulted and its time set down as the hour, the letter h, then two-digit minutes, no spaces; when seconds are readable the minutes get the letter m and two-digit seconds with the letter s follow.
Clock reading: 6h23
